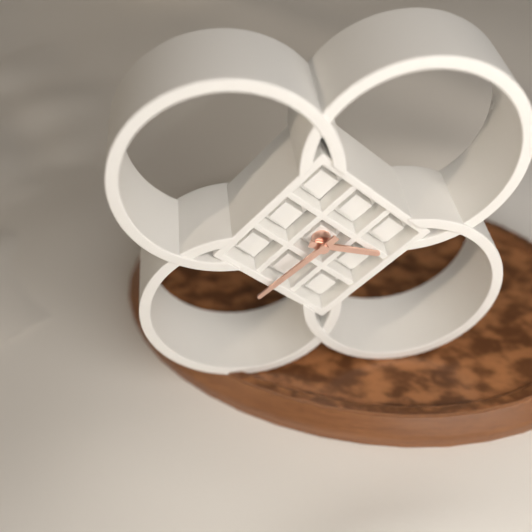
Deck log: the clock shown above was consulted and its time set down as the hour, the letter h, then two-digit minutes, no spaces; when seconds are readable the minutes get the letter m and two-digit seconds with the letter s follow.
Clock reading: 3h38
